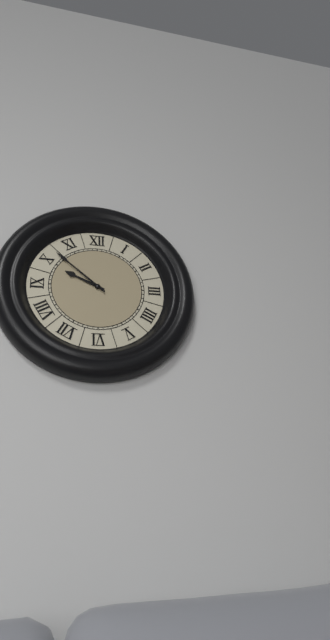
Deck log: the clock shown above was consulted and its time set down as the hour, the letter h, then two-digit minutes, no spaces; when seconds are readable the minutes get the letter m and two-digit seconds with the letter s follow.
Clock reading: 9h52
